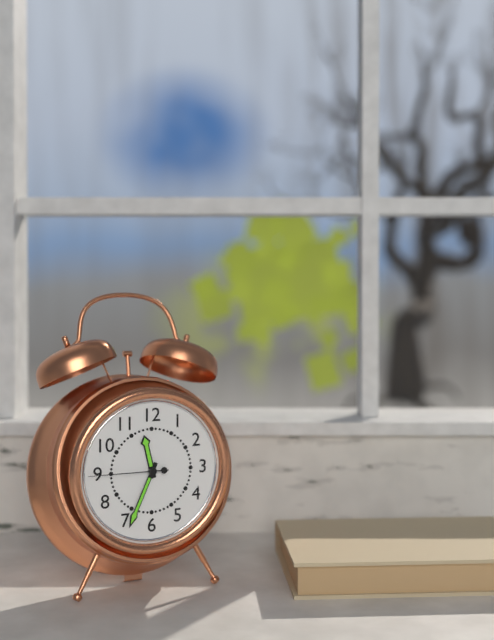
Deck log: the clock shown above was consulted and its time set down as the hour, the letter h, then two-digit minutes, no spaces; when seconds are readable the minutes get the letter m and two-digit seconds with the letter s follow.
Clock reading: 11h34m45s
